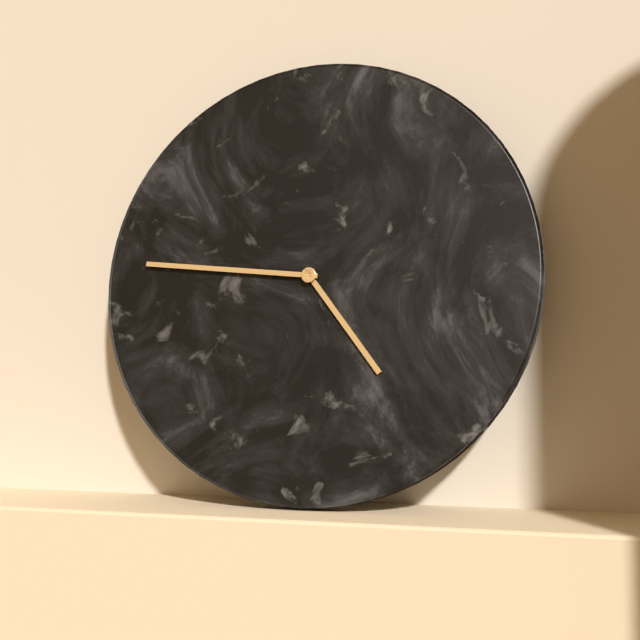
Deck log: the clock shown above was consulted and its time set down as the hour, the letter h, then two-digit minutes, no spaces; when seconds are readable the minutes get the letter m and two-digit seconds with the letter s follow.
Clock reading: 4h46
